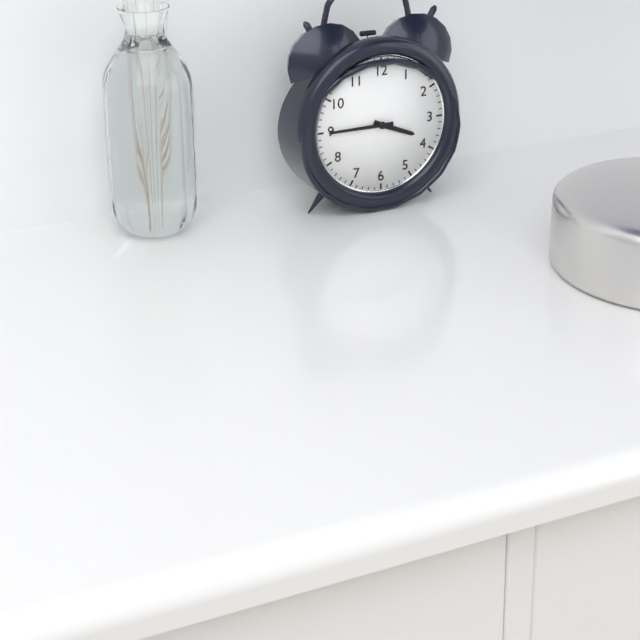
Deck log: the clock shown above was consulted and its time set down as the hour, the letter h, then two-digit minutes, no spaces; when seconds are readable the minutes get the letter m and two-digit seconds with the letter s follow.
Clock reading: 3h45
